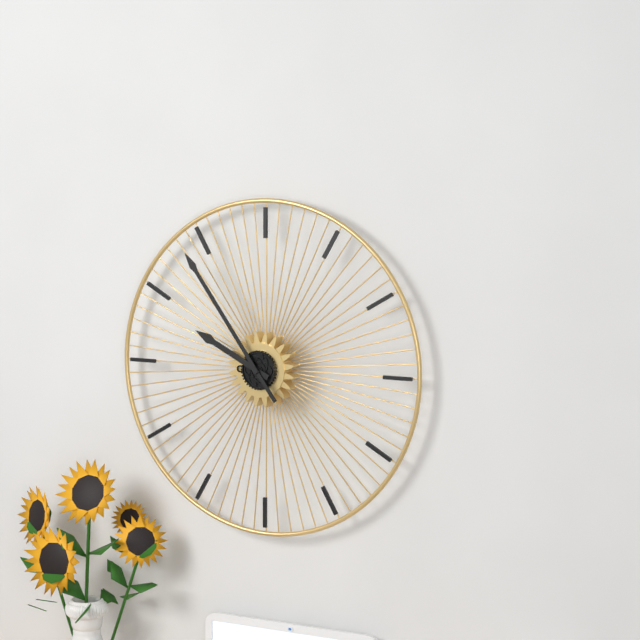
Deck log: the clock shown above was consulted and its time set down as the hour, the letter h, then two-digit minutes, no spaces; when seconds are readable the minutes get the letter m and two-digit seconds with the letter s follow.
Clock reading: 9h54
